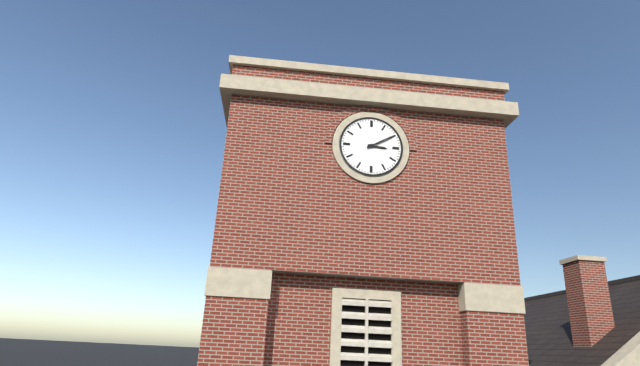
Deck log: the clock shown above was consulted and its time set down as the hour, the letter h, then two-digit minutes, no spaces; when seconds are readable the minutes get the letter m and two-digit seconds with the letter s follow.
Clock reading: 3h10
